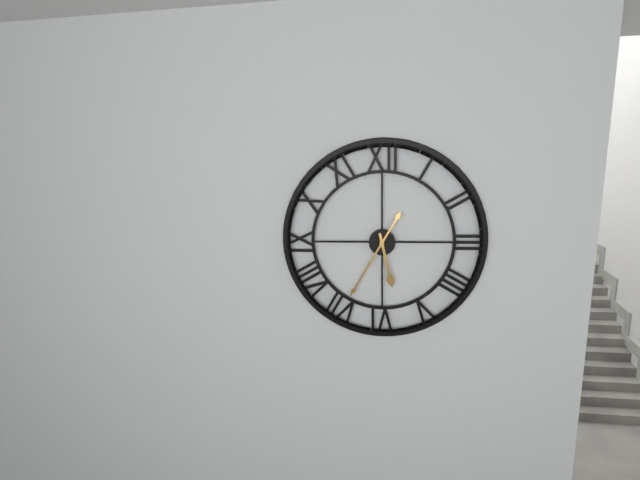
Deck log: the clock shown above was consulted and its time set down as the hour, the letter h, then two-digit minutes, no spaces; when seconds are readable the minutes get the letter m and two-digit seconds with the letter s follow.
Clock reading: 5h35
